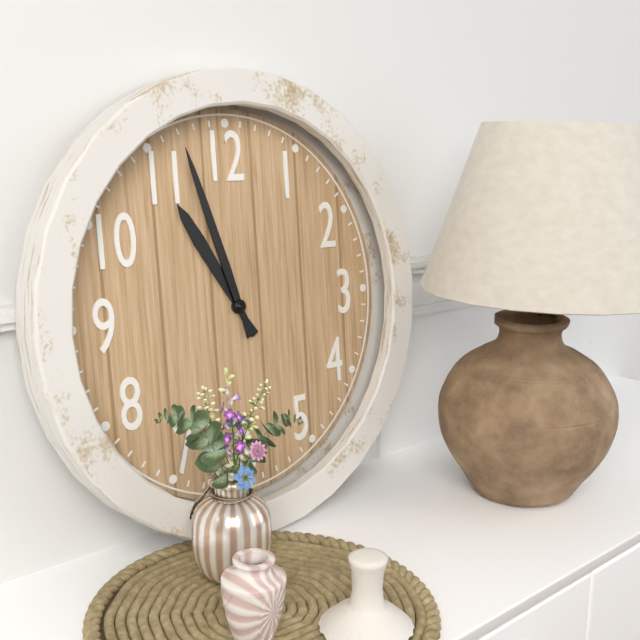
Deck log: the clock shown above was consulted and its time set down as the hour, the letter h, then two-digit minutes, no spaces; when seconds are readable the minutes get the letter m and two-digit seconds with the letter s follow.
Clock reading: 10h57
